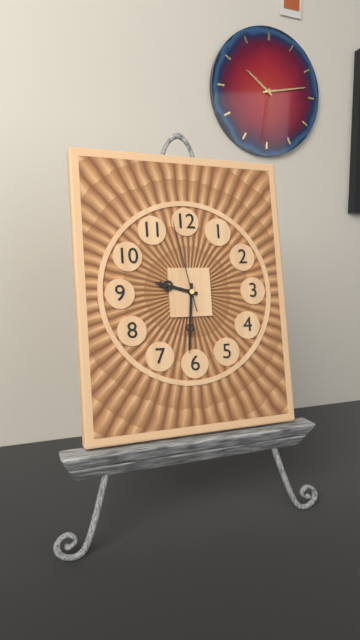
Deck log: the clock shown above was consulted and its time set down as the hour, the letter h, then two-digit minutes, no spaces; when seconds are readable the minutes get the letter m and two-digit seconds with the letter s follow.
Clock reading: 9h31m58s
